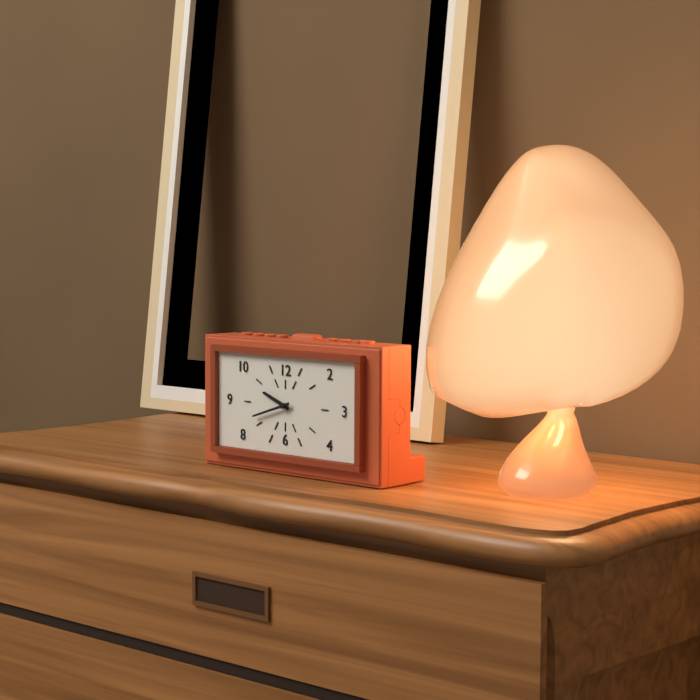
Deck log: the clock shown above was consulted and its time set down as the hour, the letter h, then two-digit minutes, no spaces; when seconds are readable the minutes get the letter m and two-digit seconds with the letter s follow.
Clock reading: 9h42
